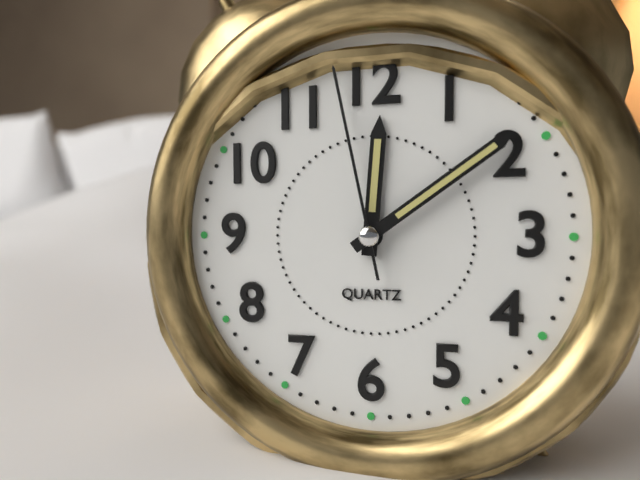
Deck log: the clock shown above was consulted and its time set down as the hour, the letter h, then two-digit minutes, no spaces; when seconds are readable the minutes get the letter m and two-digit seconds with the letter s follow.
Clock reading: 12h09m58s
